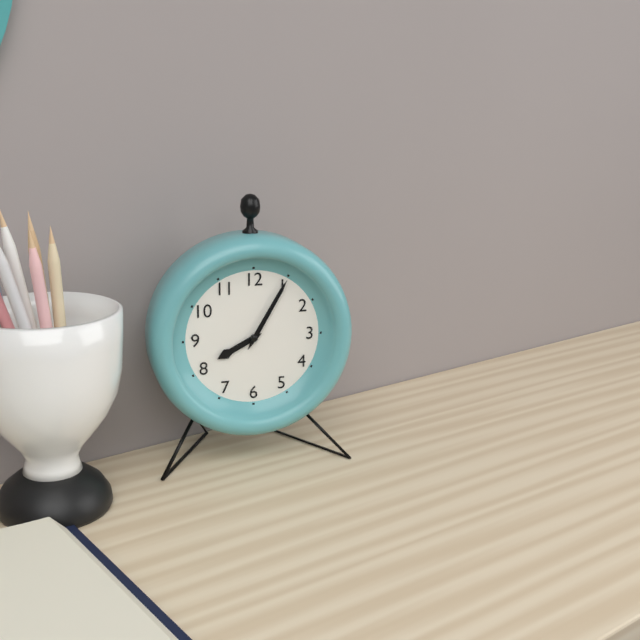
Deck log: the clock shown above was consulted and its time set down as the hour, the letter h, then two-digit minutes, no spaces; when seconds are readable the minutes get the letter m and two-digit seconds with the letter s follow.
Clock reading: 8h05
